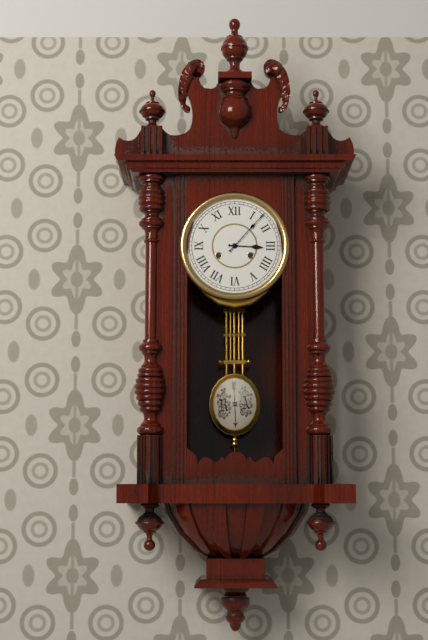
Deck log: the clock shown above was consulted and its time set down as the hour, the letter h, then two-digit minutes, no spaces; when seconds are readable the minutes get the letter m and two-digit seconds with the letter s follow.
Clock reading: 3h07
